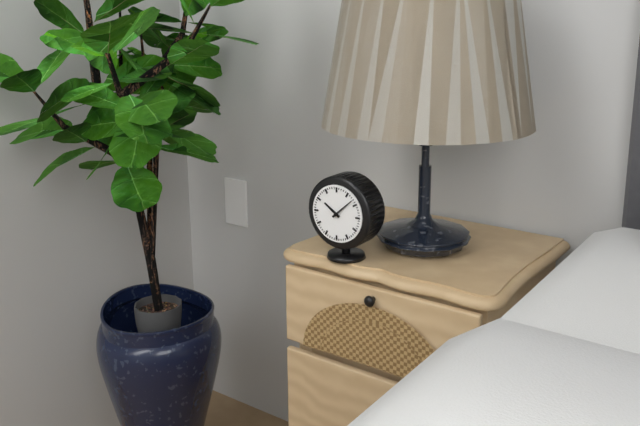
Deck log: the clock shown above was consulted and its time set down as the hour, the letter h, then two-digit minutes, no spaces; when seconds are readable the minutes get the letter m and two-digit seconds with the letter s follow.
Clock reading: 10h08
